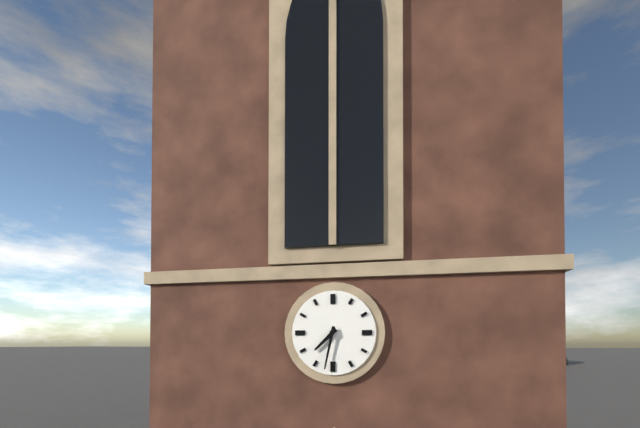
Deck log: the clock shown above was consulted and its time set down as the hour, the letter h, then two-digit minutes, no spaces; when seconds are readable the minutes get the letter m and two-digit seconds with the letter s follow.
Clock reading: 7h32
